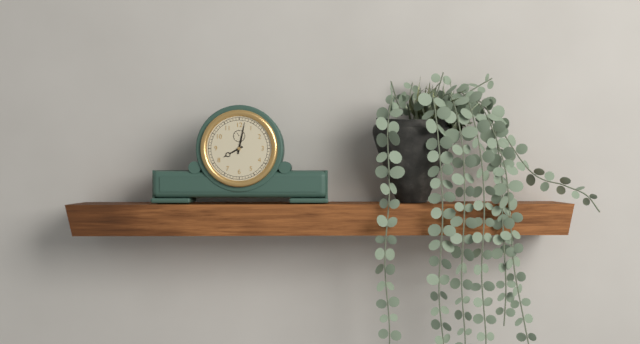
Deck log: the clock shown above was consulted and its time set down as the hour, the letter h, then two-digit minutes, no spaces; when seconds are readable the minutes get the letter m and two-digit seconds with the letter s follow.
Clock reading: 8h02
